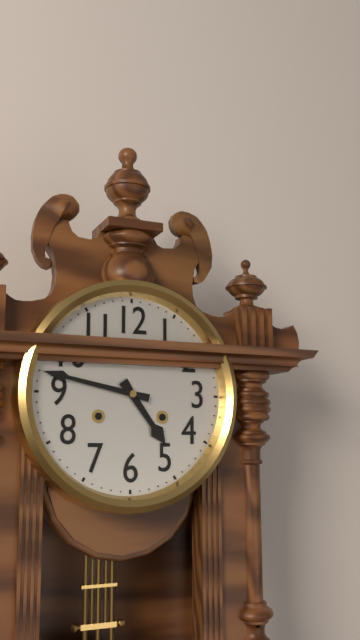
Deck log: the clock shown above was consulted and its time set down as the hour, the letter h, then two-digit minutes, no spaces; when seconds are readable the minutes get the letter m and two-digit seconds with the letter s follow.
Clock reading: 4h47
